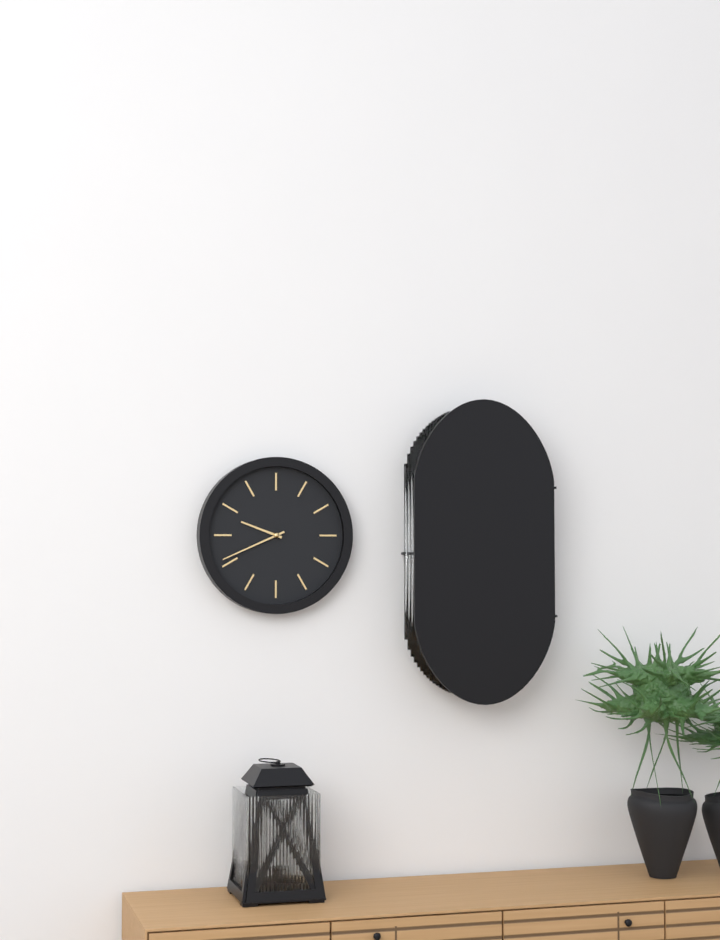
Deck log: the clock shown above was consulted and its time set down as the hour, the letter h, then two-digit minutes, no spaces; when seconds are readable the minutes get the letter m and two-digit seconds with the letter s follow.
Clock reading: 9h41
